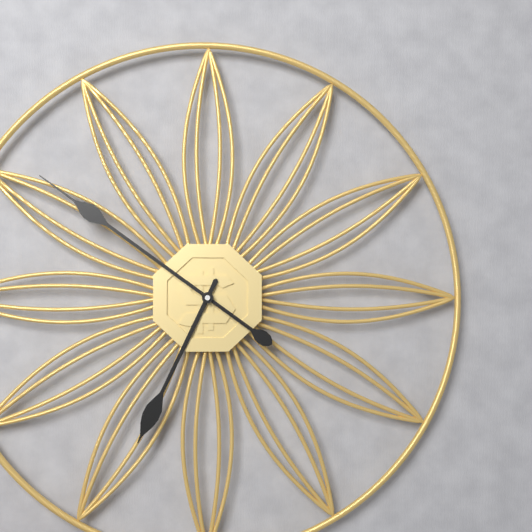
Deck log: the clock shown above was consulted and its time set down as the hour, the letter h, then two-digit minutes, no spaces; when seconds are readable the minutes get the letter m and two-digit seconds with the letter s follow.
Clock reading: 6h51
